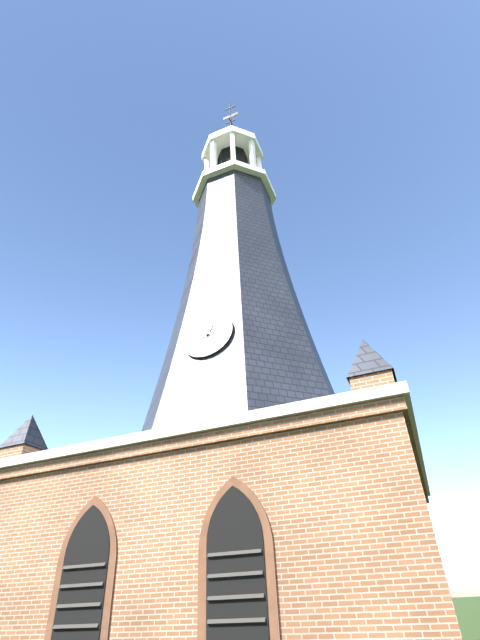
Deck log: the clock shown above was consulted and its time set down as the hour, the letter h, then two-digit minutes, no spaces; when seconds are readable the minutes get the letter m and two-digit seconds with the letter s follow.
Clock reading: 12h44
